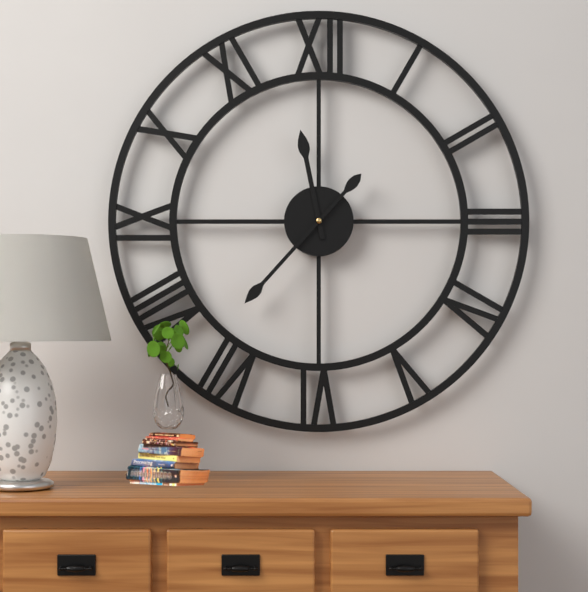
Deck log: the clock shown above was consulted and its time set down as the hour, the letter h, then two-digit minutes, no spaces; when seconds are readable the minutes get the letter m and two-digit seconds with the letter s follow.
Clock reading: 11h37
